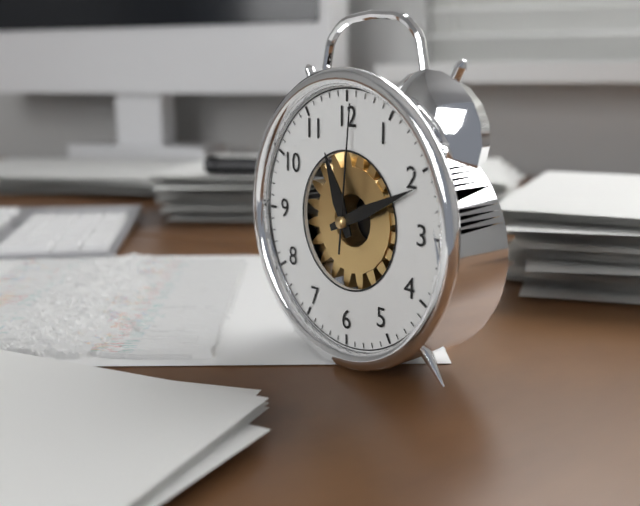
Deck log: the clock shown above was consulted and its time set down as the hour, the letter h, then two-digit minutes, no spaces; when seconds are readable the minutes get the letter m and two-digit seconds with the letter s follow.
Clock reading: 11h11m01s
